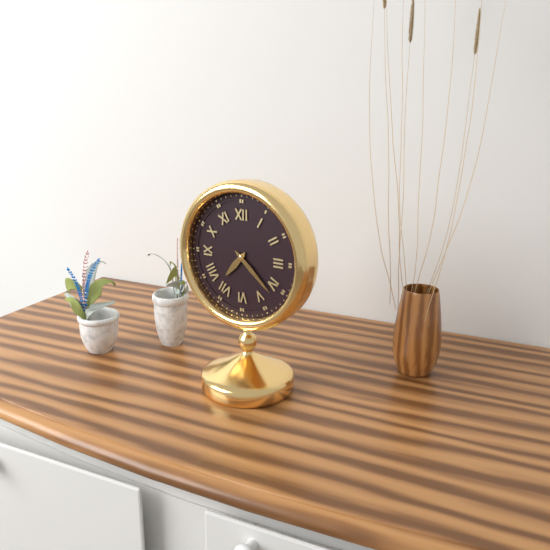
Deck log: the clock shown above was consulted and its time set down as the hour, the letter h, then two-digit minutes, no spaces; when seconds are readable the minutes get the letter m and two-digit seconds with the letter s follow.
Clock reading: 7h22
